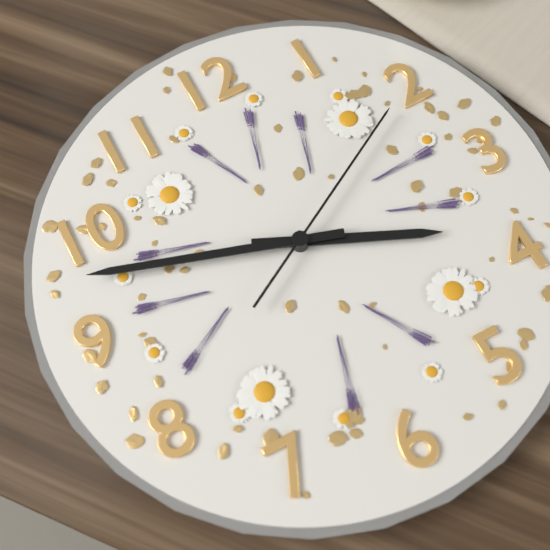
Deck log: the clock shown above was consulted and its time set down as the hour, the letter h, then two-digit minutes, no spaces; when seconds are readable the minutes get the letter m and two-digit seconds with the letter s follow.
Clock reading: 3h48m10s
